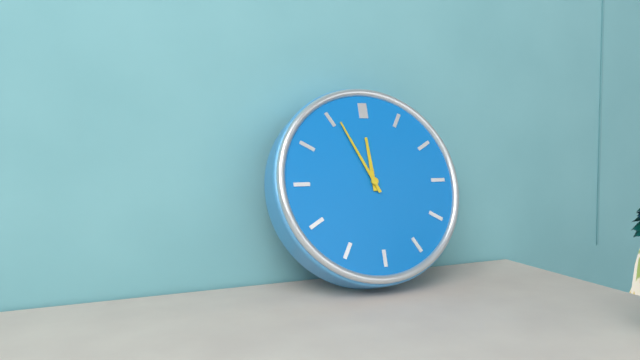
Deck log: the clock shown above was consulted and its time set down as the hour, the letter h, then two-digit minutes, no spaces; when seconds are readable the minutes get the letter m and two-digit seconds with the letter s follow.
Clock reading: 11h56
